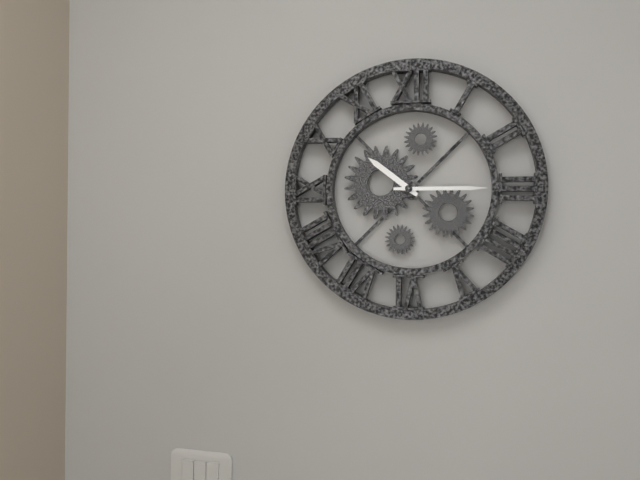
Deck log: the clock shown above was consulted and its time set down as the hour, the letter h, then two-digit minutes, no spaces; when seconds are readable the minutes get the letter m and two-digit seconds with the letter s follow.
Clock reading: 10h15
